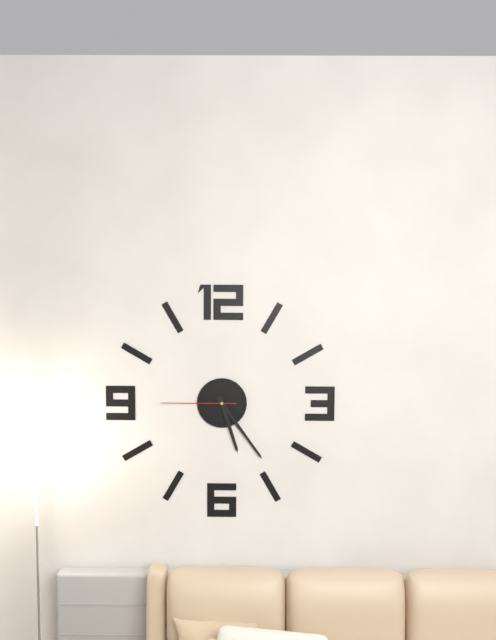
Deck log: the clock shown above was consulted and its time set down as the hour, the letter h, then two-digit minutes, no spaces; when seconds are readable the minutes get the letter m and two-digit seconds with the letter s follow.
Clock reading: 5h24m45s
